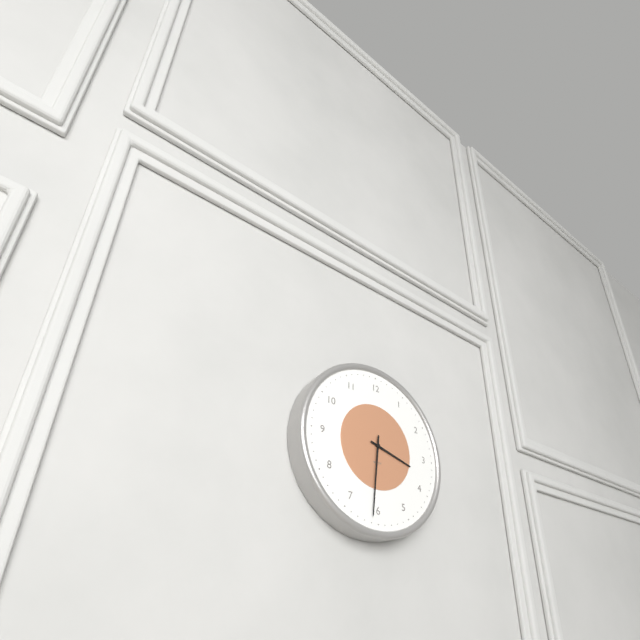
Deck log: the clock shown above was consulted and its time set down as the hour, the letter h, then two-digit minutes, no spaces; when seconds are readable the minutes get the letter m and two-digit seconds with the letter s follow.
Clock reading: 3h31
